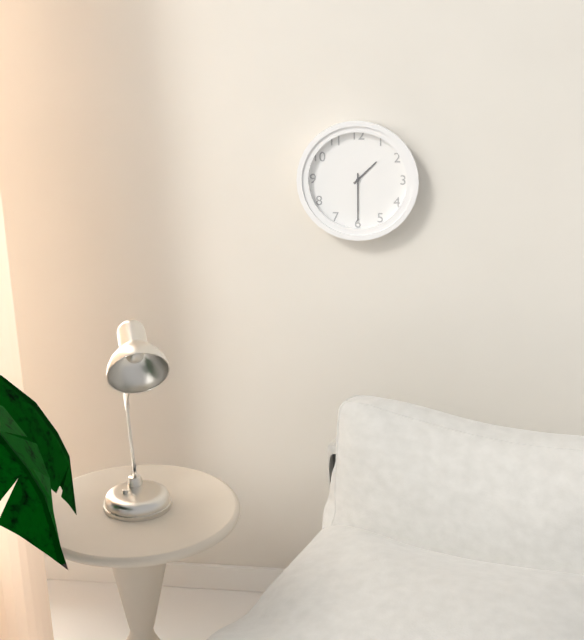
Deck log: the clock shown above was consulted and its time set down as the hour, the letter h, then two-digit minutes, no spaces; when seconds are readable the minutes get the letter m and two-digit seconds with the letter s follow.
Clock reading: 1h30
